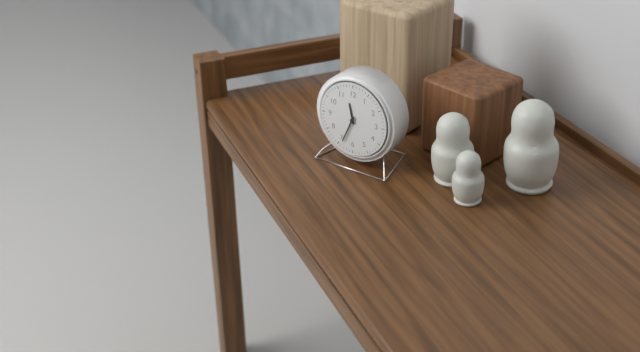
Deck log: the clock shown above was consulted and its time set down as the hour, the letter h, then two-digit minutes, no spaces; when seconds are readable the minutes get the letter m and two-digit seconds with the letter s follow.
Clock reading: 11h34
